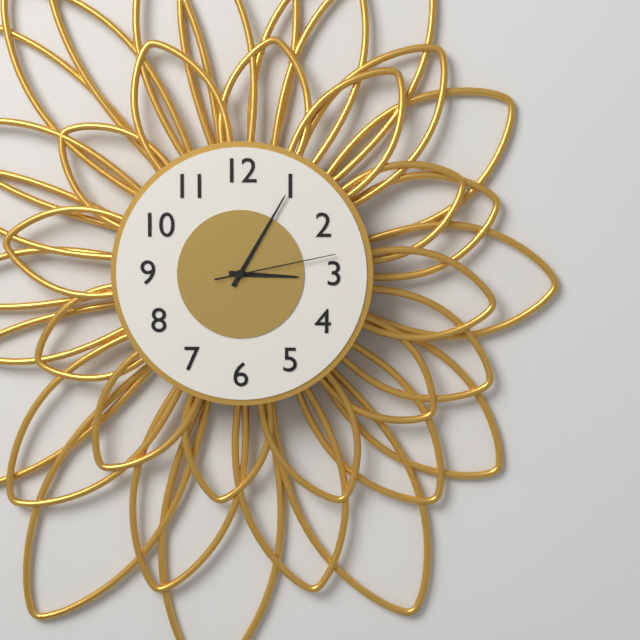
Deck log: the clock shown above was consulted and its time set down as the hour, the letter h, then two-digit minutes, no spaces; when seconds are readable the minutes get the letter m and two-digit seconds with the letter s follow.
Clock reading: 3h05m13s
